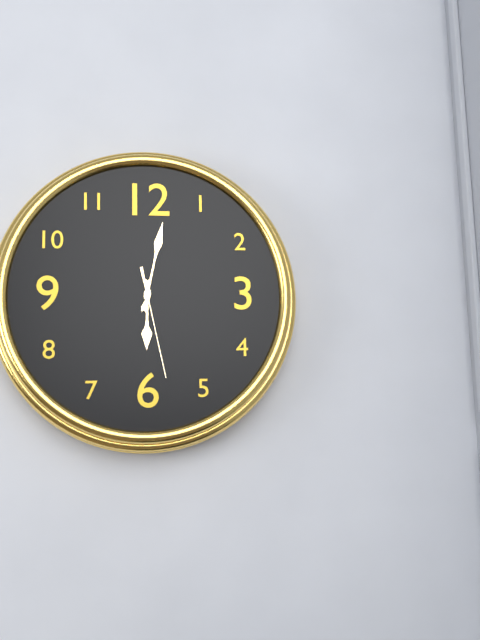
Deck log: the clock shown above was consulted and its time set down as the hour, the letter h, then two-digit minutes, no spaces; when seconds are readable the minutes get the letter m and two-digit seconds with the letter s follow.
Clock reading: 6h02m28s
